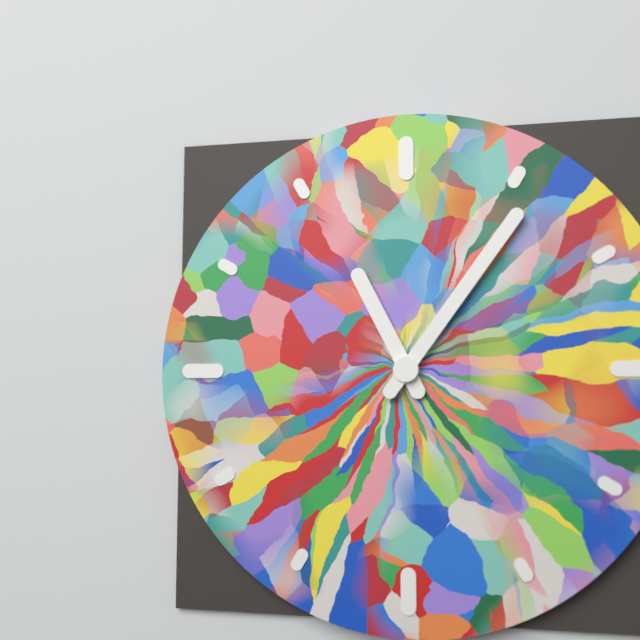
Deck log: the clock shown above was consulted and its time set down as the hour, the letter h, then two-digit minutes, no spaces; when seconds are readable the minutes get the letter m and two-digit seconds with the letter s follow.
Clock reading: 11h06
